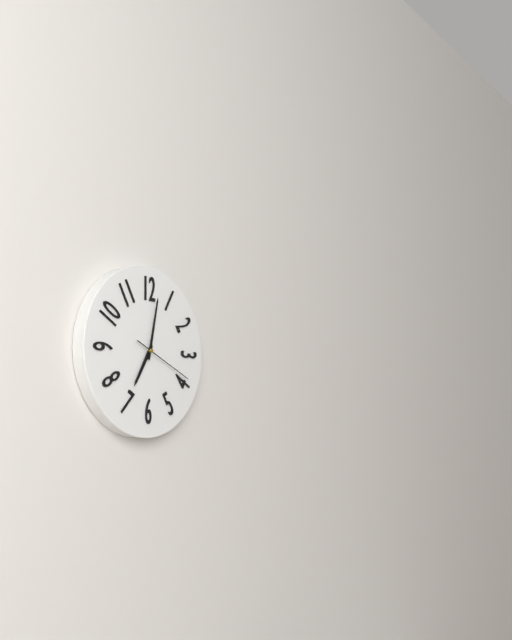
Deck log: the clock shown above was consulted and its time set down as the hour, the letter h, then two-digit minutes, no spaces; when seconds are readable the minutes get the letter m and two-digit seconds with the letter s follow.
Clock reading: 7h02m19s
